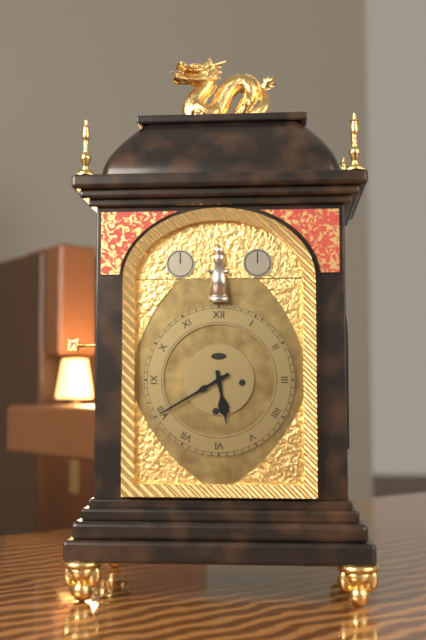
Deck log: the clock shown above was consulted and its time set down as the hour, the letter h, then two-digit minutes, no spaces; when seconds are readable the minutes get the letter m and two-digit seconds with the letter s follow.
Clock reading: 5h40
